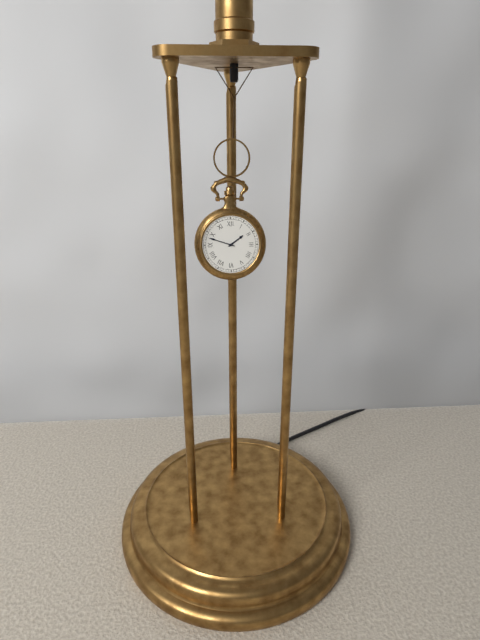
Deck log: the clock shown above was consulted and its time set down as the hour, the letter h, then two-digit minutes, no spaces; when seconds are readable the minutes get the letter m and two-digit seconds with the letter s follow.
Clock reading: 1h48
